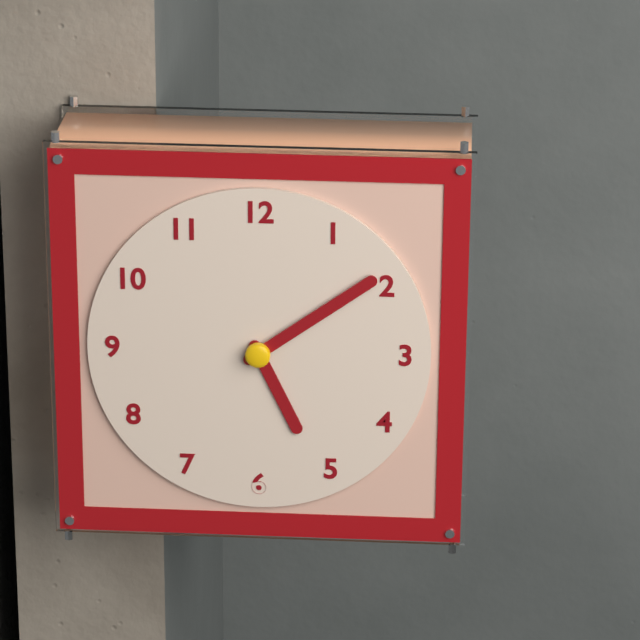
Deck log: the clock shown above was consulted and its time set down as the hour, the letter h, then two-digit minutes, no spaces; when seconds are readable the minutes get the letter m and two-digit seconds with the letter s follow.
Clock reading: 5h09
